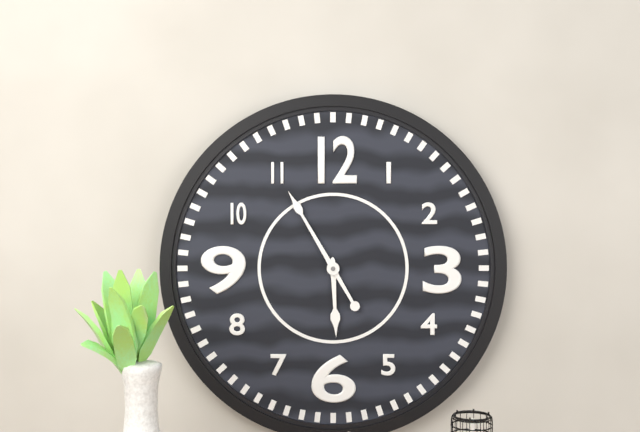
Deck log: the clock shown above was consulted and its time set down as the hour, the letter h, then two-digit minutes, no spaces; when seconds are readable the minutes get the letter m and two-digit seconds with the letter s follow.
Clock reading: 5h55
